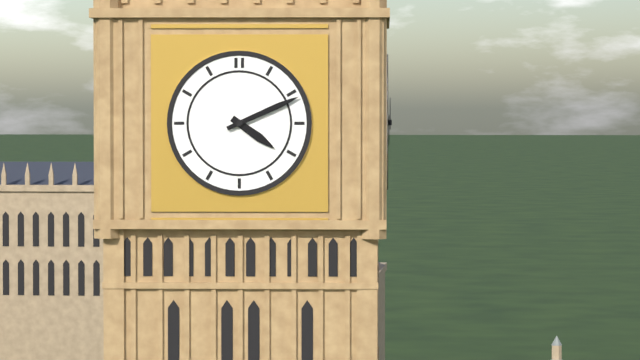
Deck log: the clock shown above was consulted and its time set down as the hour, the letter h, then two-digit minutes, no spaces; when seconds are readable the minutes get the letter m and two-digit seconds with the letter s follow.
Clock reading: 4h11
